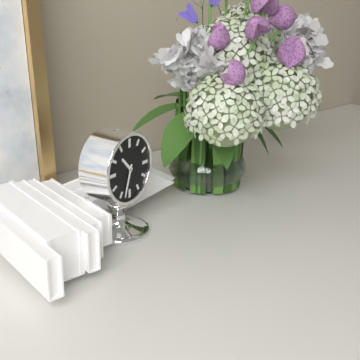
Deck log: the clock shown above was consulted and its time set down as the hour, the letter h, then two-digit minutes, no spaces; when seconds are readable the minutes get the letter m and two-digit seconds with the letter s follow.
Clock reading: 10h33
